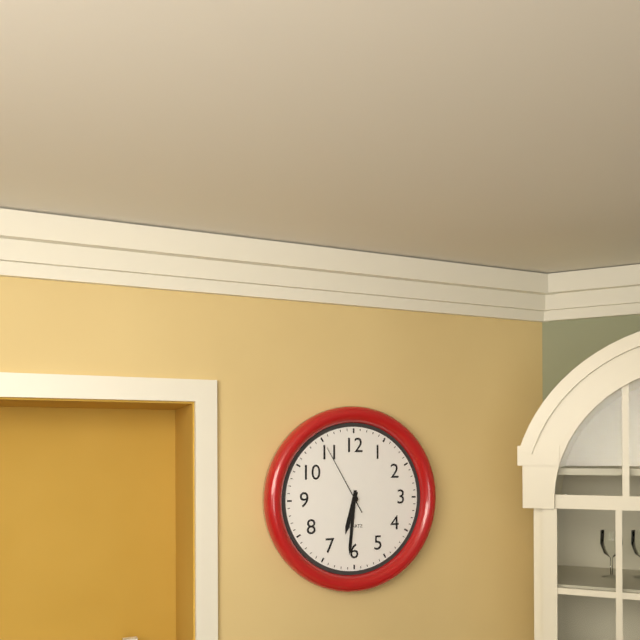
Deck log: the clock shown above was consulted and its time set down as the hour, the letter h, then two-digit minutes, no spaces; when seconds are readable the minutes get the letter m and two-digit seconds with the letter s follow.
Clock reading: 6h31m55s
